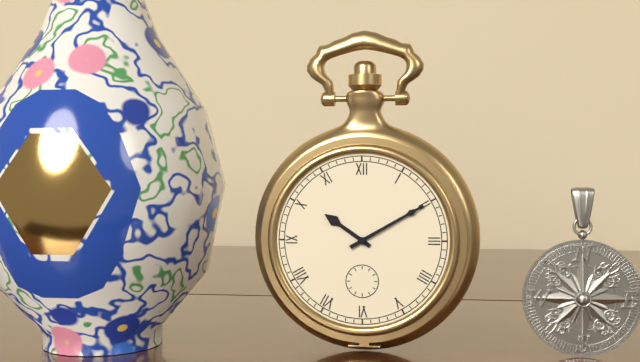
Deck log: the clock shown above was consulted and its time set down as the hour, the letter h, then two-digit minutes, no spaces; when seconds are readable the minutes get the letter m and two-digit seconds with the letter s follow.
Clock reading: 10h10
